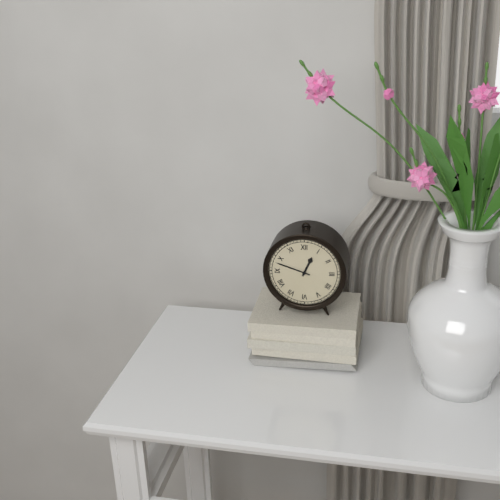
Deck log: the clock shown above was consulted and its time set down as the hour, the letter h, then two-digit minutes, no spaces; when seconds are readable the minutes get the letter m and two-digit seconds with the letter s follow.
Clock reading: 12h48
